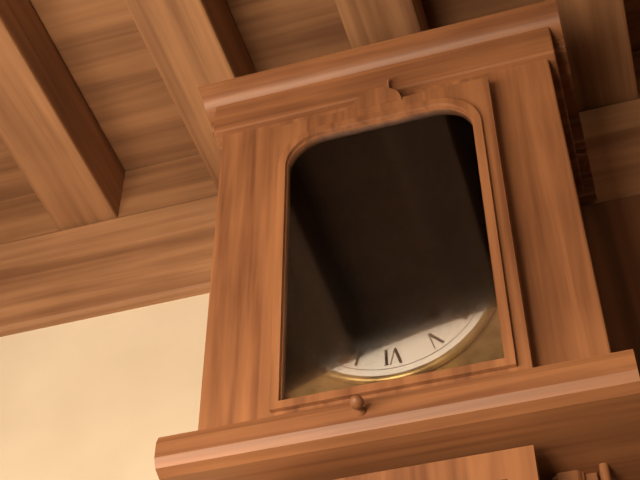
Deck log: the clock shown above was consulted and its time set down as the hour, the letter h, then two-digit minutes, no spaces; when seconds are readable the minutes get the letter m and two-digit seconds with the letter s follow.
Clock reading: 7h13
